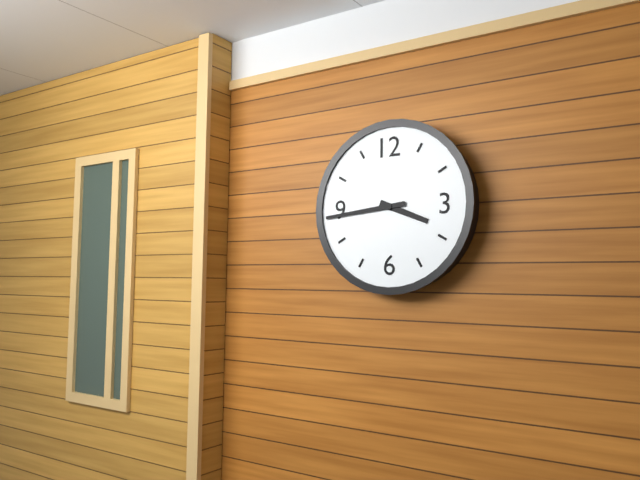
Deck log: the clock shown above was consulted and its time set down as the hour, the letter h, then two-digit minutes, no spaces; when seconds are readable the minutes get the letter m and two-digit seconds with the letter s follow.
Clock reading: 3h44
